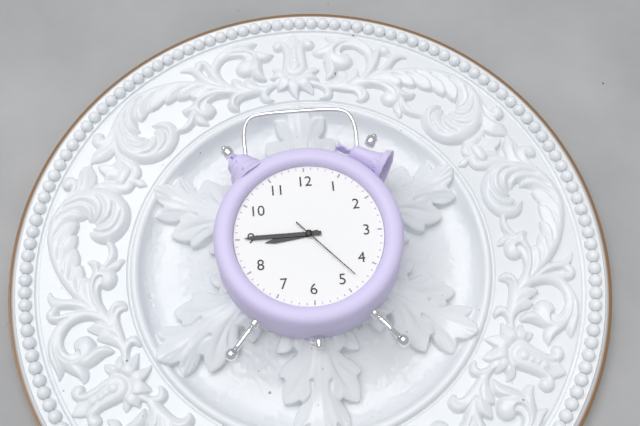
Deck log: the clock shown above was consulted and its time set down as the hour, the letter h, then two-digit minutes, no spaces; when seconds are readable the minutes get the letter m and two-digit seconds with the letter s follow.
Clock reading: 8h45m23s
